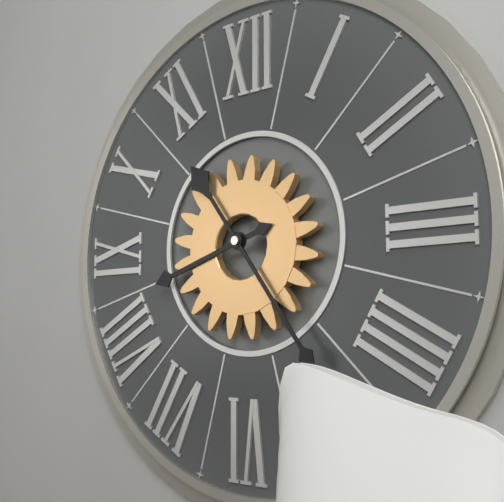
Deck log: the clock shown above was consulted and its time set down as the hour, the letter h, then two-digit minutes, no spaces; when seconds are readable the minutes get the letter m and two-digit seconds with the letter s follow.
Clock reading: 8h24
